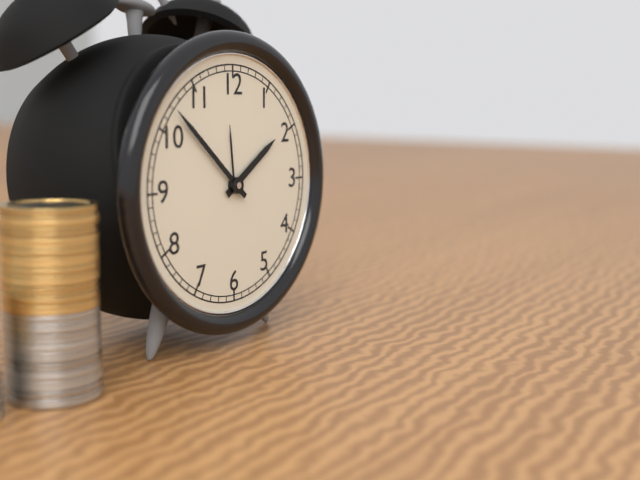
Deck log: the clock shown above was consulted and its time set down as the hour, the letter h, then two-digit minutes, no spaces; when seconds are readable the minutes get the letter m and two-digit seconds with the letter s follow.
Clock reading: 1h52
